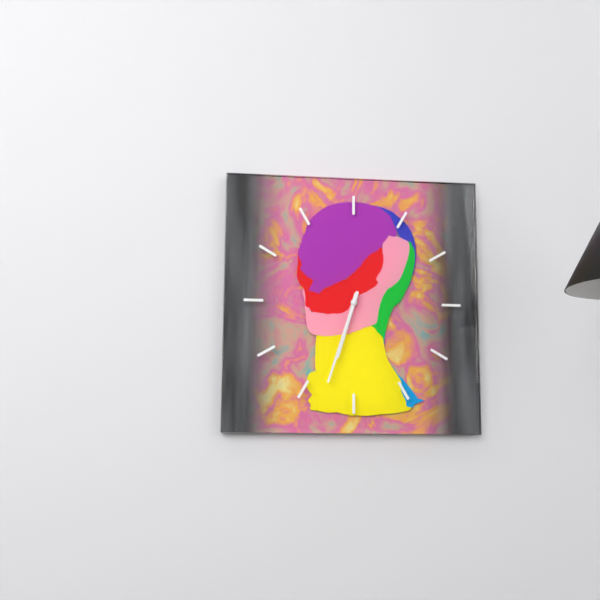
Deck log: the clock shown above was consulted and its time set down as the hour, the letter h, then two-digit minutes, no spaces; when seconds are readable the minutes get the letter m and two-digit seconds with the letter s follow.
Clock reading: 6h33
